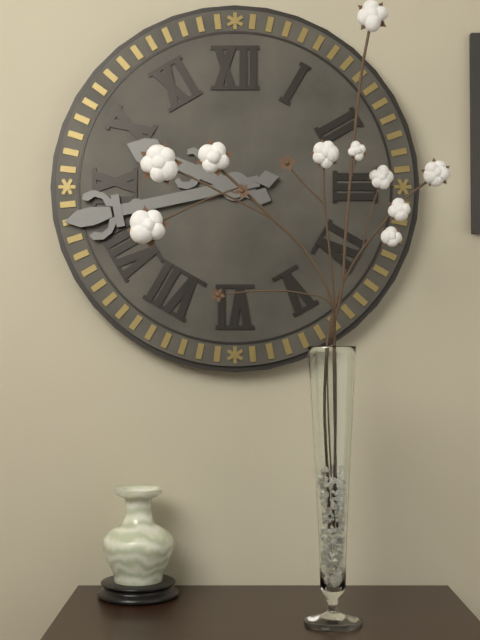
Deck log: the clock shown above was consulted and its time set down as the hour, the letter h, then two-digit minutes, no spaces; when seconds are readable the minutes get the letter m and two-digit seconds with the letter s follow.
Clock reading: 9h43
